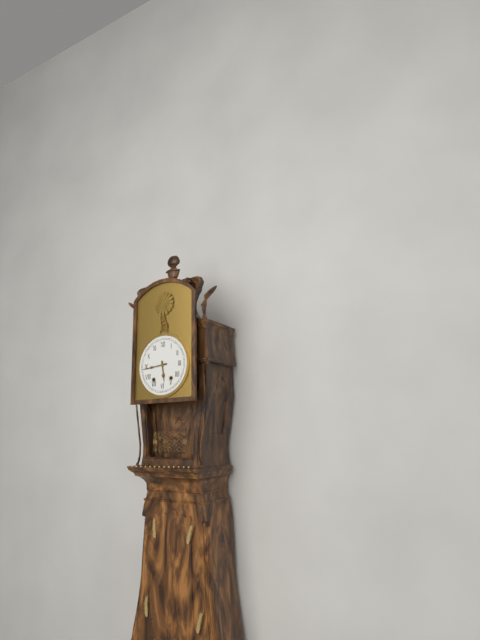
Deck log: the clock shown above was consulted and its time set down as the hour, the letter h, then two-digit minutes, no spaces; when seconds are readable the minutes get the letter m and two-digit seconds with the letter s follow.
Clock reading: 5h44
